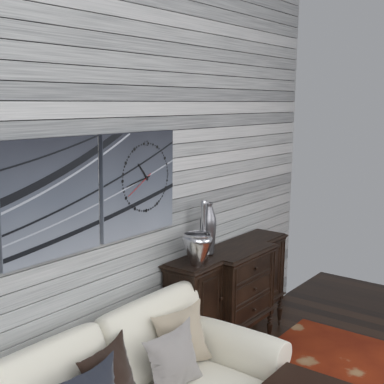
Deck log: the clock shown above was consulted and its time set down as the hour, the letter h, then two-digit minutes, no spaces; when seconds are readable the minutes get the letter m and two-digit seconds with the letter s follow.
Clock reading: 10h43
